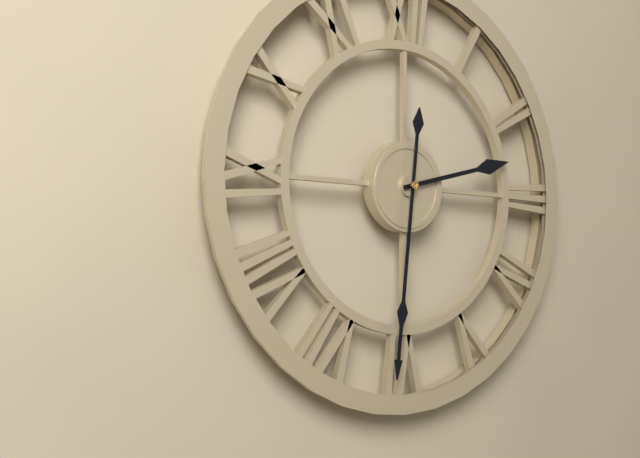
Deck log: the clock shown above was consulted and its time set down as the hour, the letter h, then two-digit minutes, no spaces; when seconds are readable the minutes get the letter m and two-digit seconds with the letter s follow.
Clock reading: 2h31
